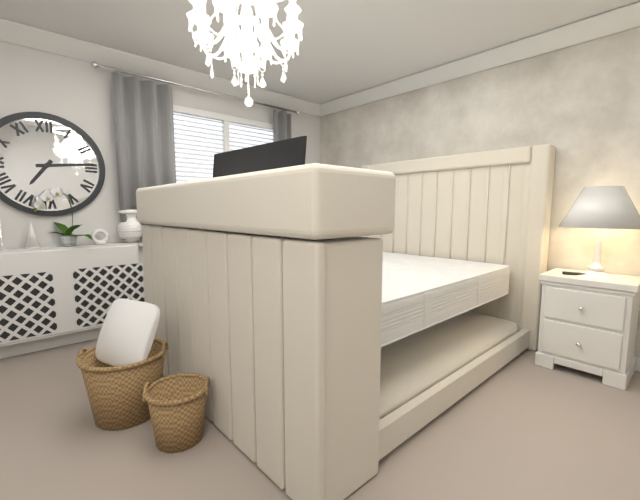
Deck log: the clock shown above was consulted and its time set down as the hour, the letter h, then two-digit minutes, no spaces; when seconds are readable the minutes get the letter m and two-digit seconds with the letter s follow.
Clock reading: 7h14
